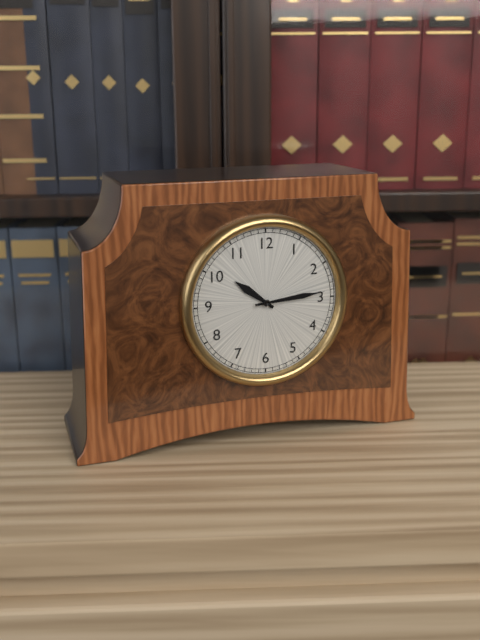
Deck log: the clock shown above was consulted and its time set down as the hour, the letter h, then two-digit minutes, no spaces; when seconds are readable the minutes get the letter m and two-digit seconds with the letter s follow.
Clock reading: 10h14
